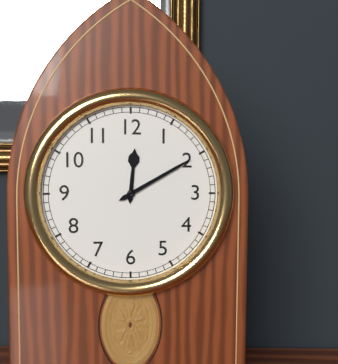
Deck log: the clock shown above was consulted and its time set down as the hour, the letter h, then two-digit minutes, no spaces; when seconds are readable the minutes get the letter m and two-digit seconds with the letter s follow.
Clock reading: 12h10
